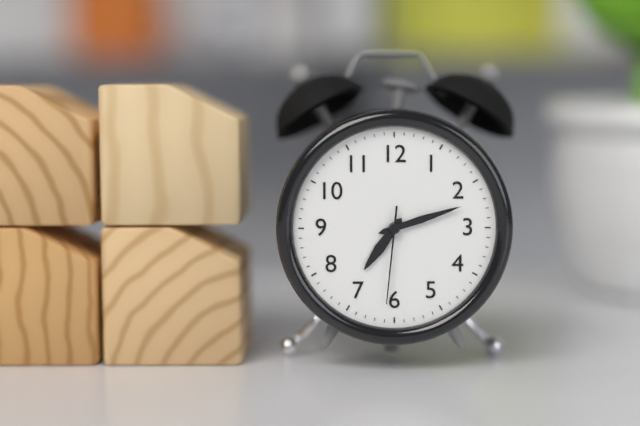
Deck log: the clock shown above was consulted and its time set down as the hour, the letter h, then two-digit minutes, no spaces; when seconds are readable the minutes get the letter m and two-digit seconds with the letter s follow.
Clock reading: 7h12m31s
